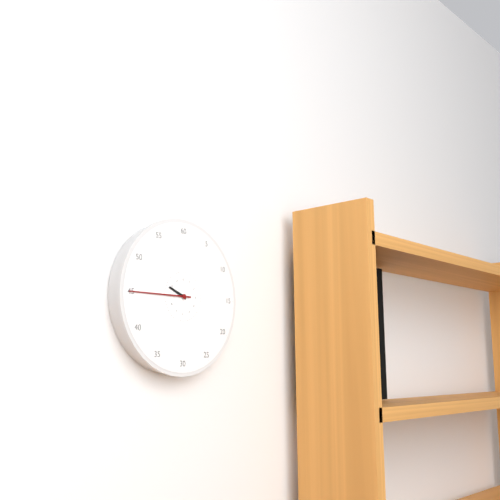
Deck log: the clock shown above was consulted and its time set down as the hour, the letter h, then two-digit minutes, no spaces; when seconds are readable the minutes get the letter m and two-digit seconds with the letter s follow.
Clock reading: 9h45
